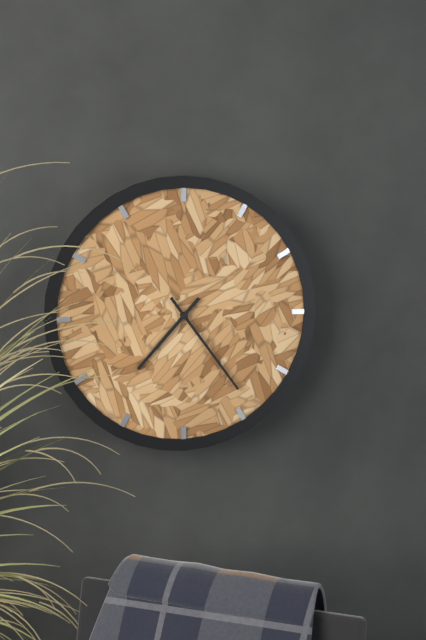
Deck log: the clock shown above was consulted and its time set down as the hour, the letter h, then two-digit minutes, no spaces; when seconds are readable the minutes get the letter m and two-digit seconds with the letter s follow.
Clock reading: 7h24
